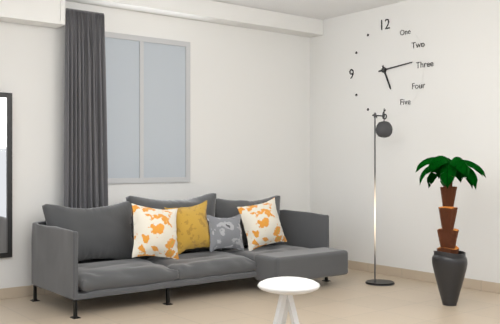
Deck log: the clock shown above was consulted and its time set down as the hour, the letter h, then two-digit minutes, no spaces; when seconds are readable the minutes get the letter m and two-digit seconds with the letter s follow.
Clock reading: 5h14
